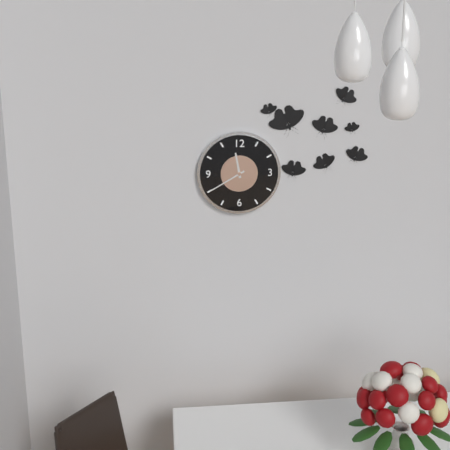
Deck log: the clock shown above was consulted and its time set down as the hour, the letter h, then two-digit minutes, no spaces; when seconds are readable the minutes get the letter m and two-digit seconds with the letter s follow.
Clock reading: 11h40
